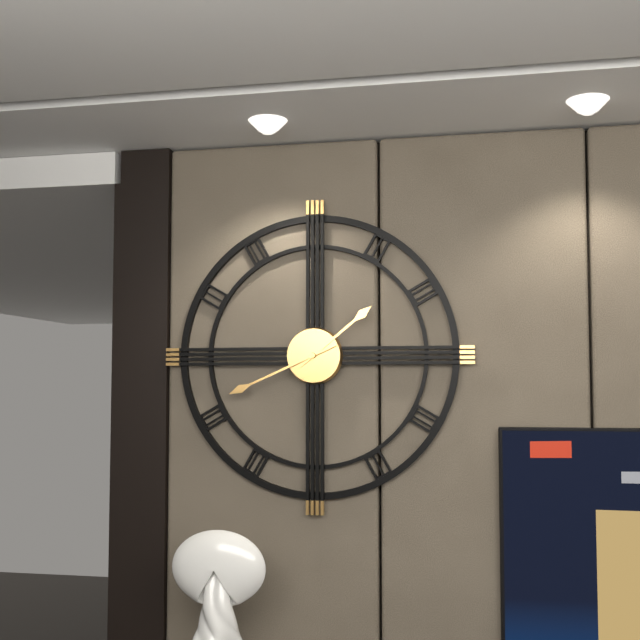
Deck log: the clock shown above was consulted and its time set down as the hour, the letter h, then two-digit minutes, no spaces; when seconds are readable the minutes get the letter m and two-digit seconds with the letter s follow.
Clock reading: 1h41
